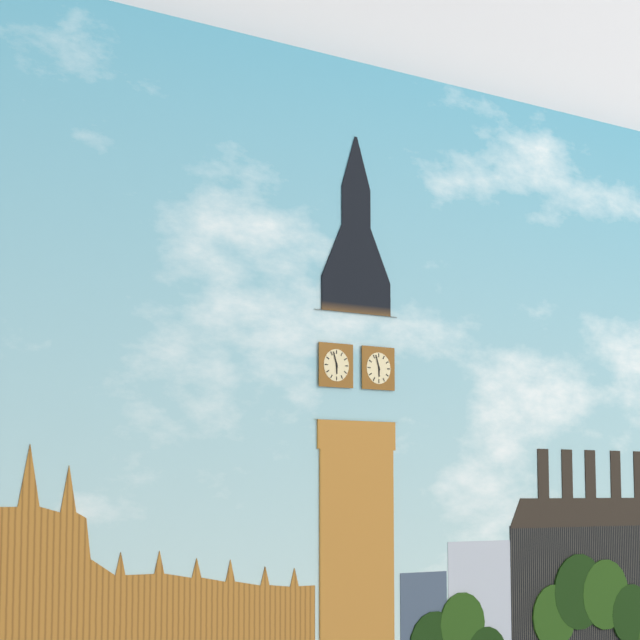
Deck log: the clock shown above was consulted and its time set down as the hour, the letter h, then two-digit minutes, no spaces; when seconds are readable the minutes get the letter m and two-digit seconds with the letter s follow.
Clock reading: 5h57
